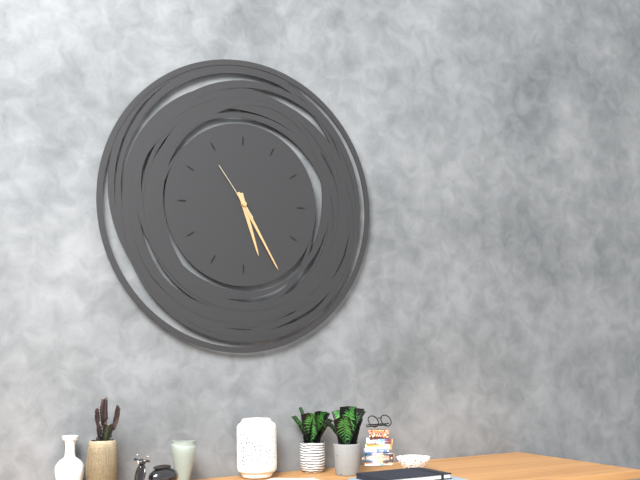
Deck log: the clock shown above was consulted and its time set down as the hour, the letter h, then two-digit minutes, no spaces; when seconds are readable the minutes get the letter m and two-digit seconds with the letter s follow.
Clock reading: 5h25m54s
